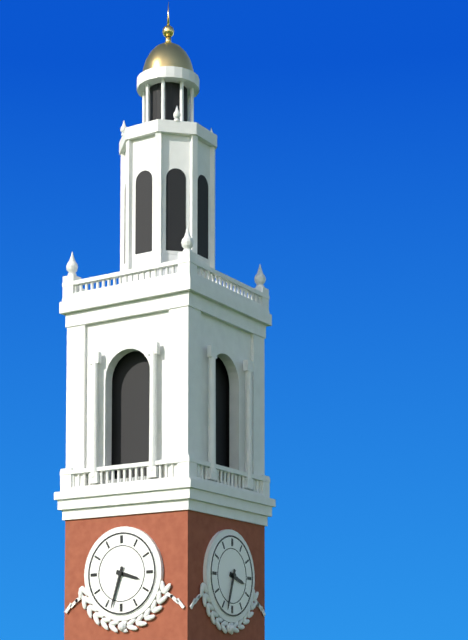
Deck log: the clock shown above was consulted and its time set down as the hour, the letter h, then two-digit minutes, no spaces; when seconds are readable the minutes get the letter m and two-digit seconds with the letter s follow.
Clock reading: 3h33
